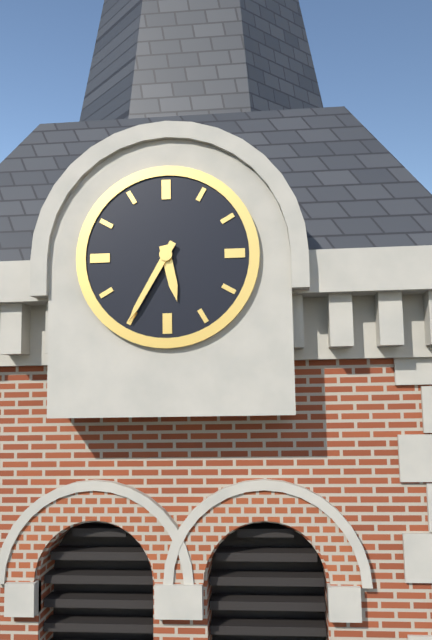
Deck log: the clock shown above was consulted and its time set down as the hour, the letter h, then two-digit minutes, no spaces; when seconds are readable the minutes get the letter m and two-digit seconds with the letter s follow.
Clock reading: 5h35
